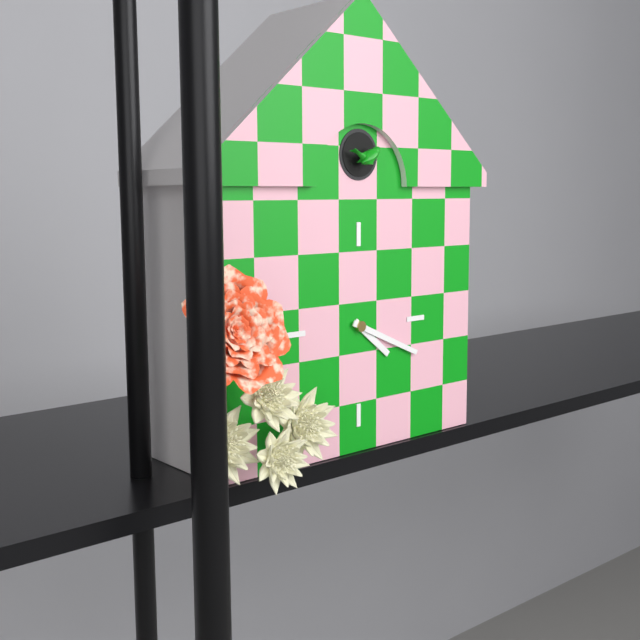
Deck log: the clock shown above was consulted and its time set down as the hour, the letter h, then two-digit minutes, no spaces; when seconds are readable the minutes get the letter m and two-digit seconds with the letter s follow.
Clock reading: 4h19
